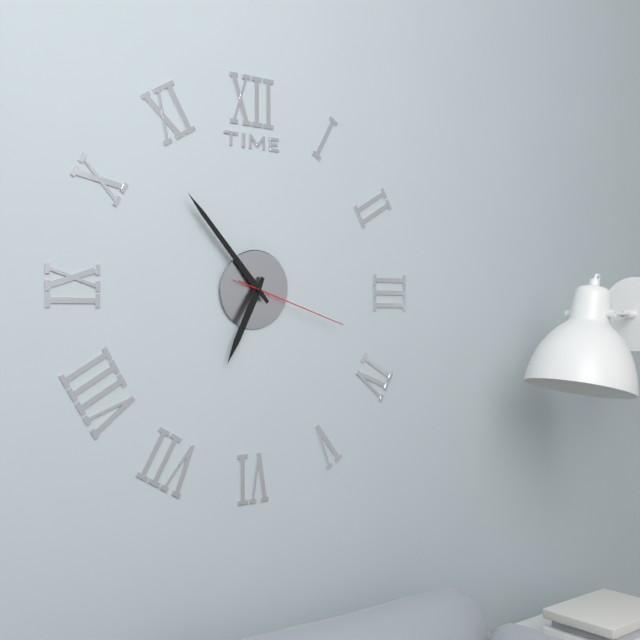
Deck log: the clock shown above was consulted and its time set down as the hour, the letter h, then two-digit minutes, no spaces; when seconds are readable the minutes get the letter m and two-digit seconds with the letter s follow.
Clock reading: 6h53m18s
